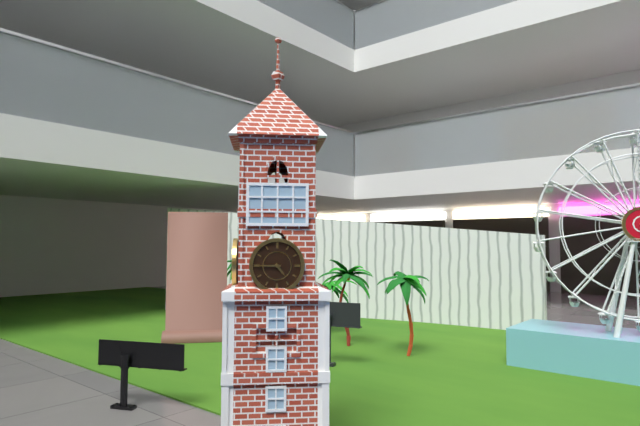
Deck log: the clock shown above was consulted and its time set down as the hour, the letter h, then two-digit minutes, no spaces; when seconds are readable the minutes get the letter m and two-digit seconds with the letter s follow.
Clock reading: 4h45
